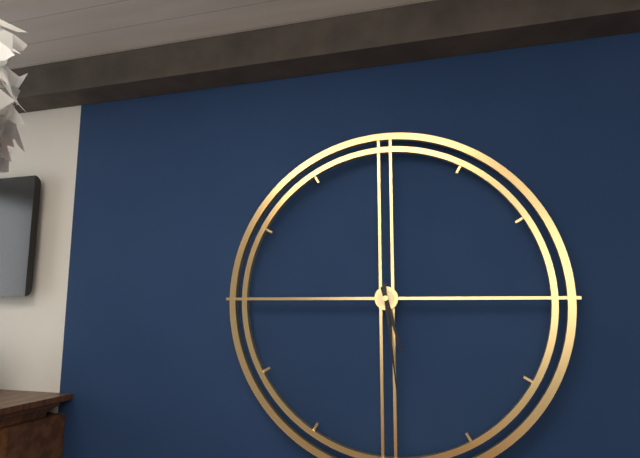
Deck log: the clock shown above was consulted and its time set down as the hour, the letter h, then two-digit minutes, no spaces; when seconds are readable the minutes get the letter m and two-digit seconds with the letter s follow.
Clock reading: 5h29
